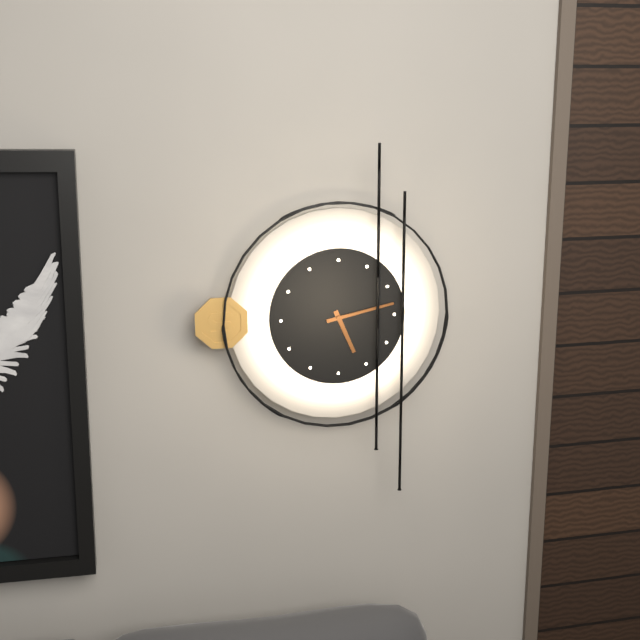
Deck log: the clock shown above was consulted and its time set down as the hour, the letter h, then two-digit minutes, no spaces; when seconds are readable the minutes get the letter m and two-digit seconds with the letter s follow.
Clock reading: 5h13
